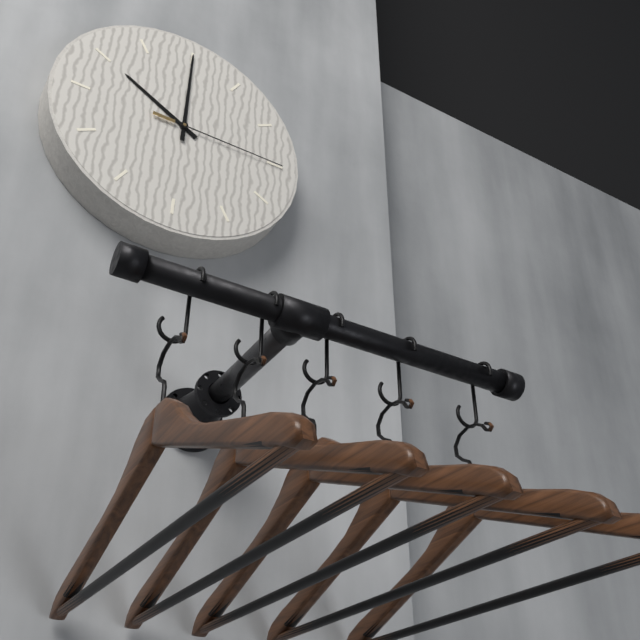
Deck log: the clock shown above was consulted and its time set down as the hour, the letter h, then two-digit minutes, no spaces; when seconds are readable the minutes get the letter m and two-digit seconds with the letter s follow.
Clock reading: 10h00m15s
